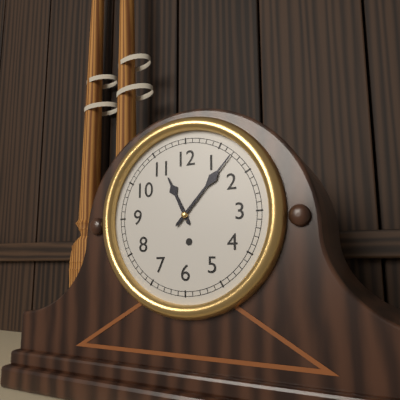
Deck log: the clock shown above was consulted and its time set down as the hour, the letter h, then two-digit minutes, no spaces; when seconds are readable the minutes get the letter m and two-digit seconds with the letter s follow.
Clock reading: 11h07
